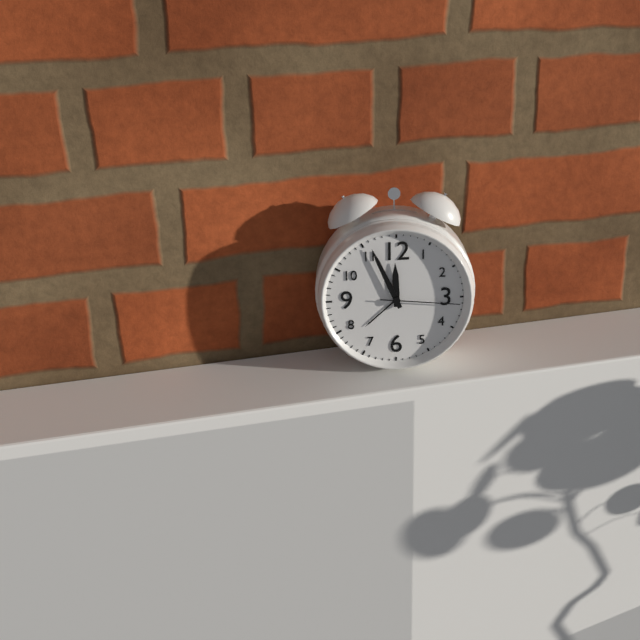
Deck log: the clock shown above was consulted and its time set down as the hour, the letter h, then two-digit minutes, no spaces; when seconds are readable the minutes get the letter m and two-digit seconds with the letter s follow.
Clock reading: 11h56m16s
